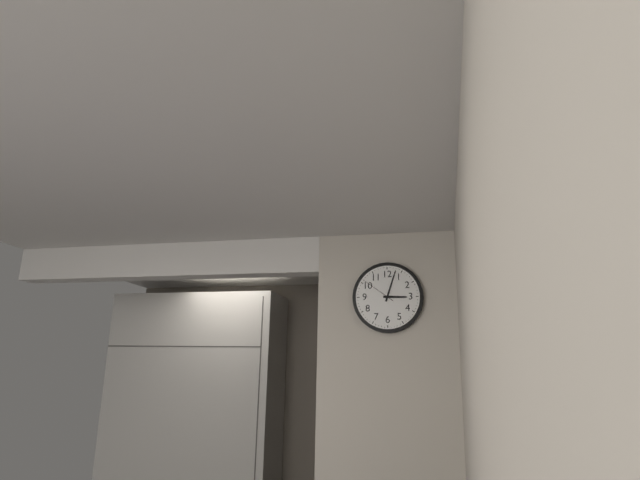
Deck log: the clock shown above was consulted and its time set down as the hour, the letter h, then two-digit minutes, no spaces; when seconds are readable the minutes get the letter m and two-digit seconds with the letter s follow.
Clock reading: 3h03
